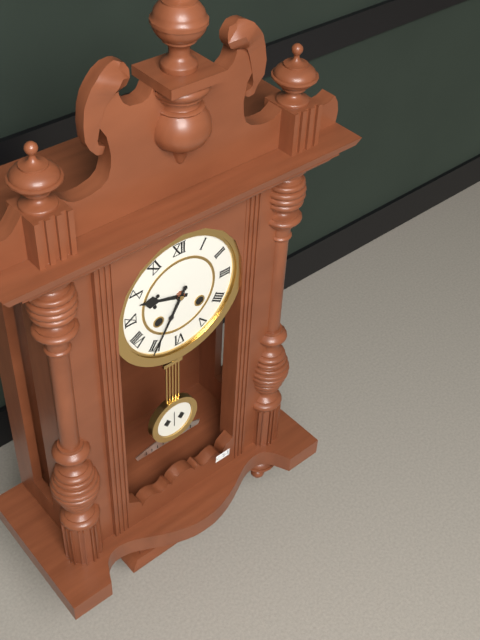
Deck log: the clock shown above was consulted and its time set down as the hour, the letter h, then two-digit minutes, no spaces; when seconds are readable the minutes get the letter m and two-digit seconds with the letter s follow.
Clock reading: 9h35
